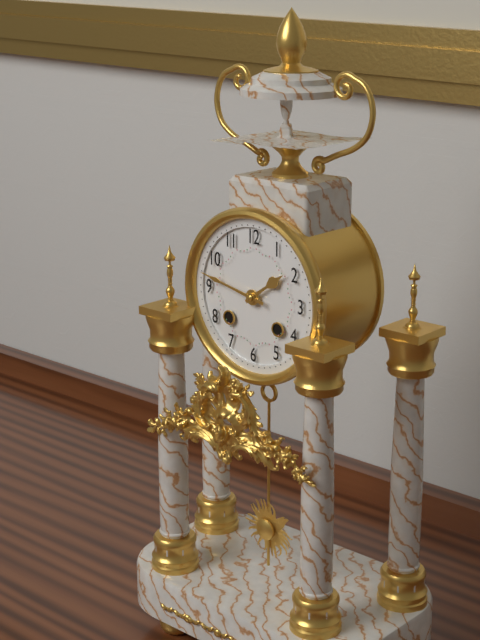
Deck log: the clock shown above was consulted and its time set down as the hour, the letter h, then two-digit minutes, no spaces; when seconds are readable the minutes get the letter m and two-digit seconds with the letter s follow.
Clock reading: 1h47
